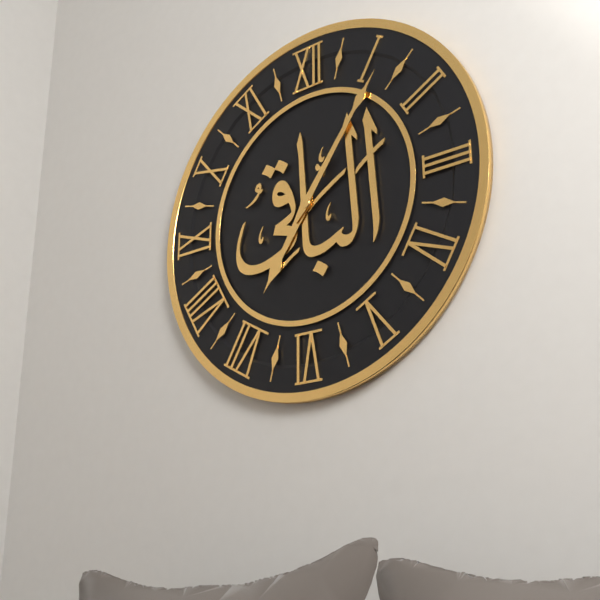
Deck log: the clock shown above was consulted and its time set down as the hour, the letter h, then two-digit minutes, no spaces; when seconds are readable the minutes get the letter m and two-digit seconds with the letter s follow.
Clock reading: 7h06
